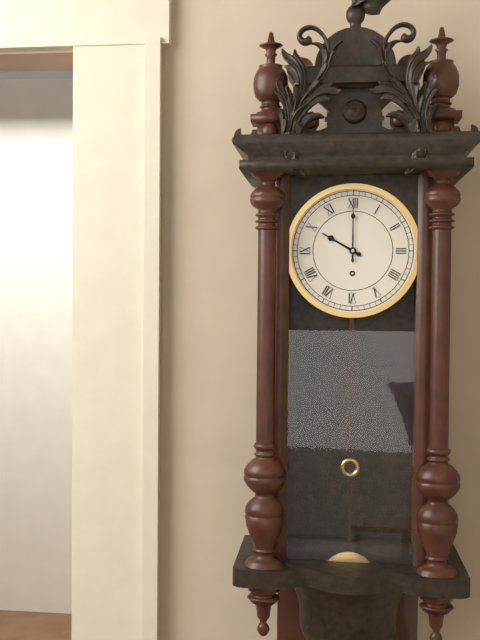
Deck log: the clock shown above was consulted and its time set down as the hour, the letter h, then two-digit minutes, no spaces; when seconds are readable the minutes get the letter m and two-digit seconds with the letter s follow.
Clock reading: 10h00
